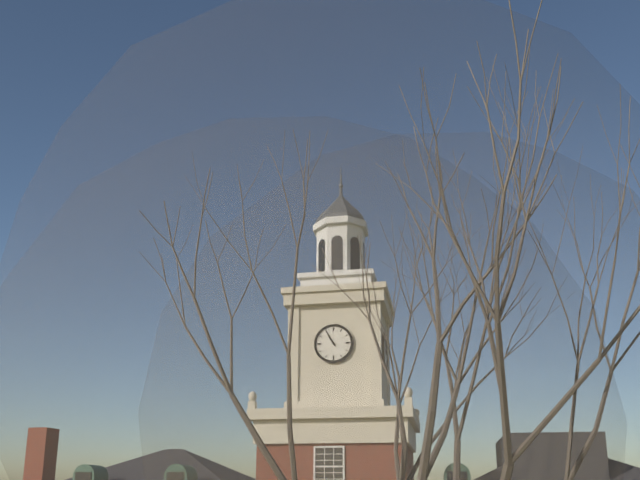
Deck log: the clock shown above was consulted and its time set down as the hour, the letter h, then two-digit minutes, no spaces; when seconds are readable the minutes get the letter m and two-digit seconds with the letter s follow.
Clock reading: 10h55
